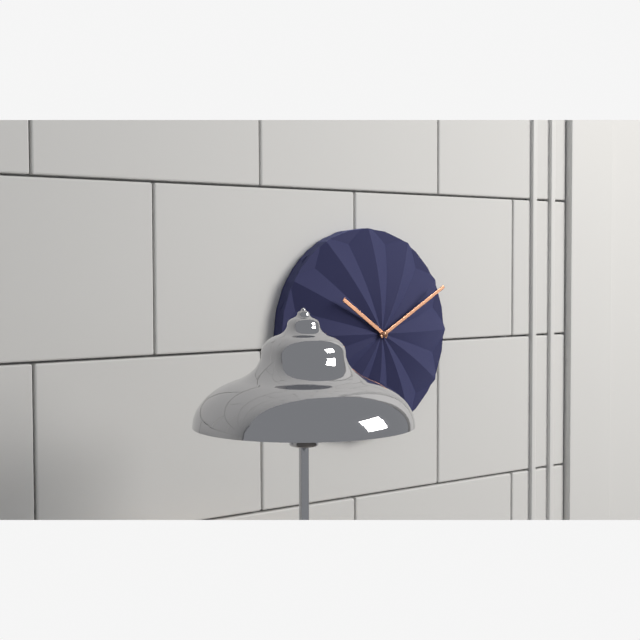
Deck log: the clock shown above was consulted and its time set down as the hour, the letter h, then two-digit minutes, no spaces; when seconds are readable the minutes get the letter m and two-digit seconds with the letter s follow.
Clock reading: 10h10
